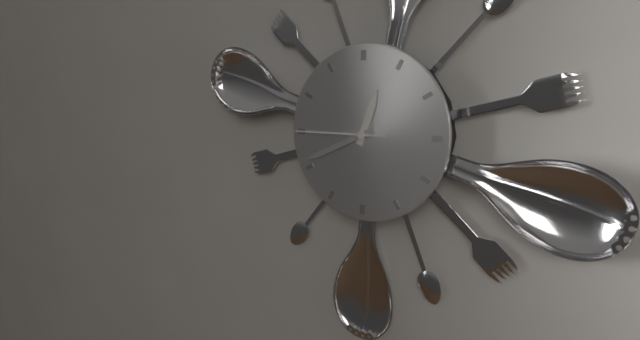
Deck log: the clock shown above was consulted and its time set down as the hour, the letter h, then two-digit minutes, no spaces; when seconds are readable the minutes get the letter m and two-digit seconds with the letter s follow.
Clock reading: 12h41m45s
